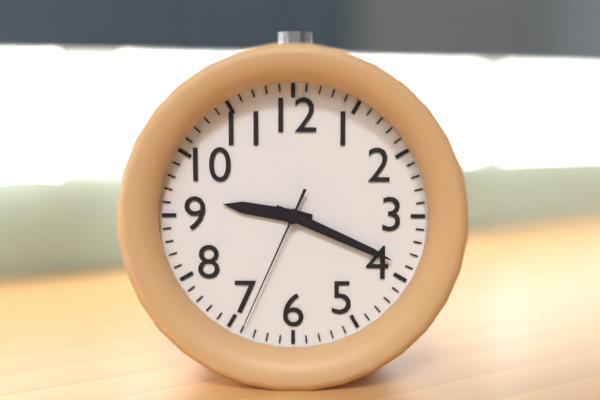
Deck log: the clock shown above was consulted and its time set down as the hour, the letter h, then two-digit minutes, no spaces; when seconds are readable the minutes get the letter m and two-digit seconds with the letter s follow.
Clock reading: 9h19m34s
